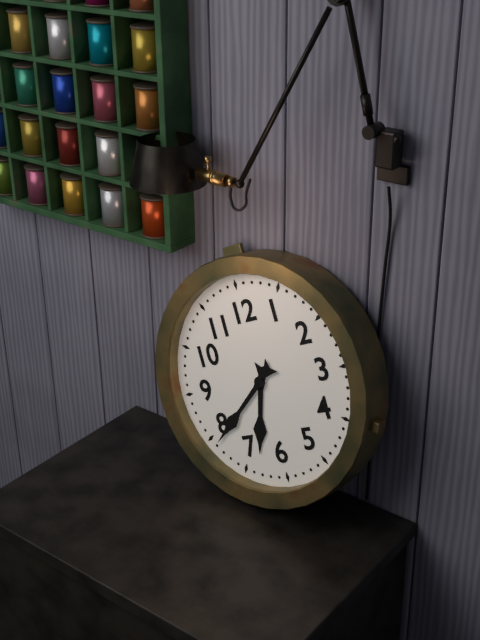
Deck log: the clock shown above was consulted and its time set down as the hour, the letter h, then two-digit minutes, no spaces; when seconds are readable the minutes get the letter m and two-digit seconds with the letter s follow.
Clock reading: 6h39
